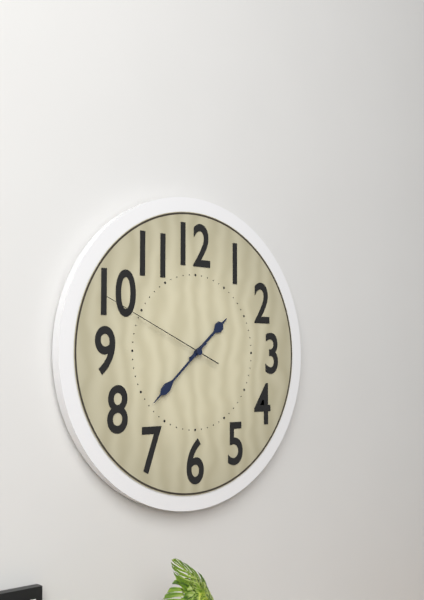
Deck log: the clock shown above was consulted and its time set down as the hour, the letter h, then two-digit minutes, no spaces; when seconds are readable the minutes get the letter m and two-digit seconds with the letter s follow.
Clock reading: 1h38m49s
